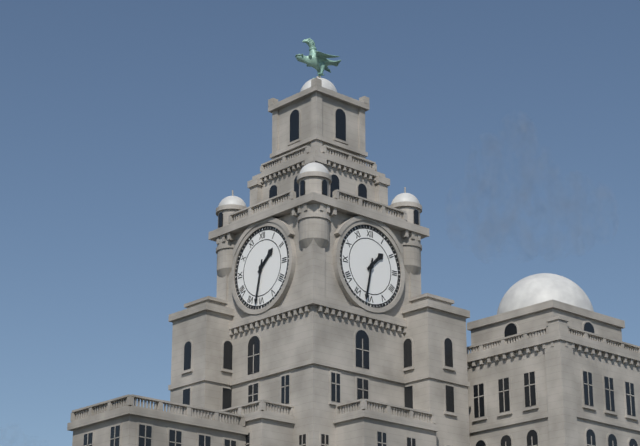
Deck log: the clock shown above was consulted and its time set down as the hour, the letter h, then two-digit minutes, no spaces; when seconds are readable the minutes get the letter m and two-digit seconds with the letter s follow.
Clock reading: 1h32
